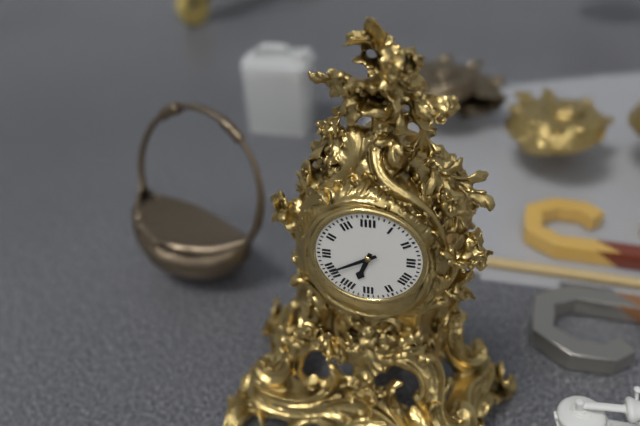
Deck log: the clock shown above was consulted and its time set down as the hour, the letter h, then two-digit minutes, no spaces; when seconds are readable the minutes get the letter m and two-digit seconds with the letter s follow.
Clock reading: 6h40
